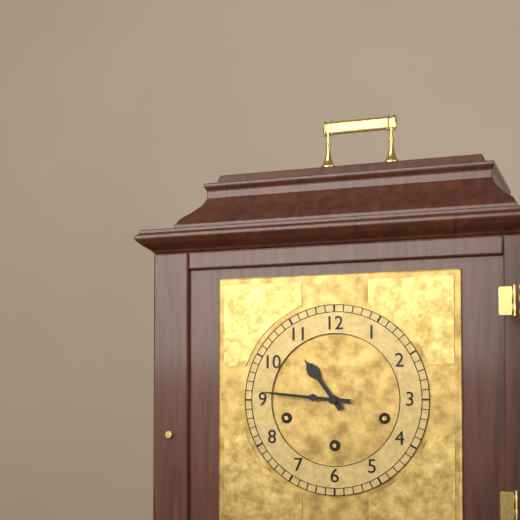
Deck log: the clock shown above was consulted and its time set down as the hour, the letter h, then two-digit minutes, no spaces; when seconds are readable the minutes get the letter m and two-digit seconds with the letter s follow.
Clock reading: 10h46
